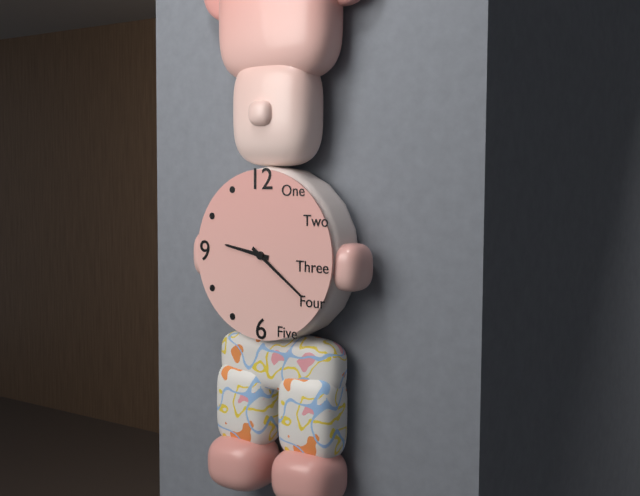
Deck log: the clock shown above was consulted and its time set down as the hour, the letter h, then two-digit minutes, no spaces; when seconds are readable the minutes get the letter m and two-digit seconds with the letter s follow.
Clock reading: 9h21
